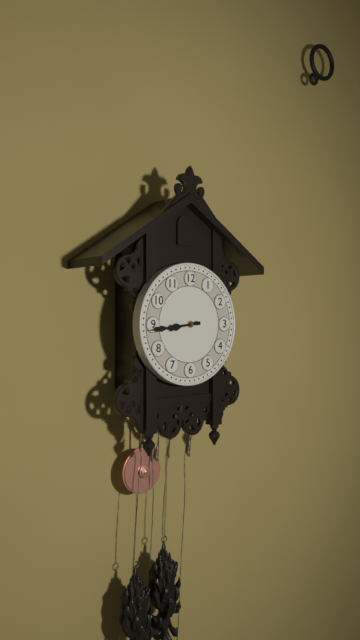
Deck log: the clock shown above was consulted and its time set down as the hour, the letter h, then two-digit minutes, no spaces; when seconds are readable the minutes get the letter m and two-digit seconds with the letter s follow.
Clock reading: 8h44
